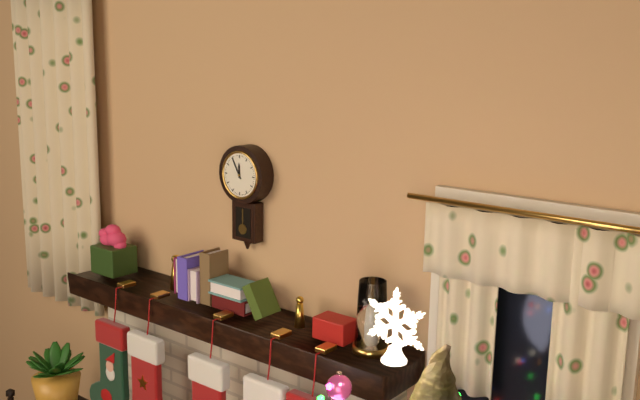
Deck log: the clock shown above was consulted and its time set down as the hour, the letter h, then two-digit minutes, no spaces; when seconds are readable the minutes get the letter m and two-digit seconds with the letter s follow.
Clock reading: 11h55
